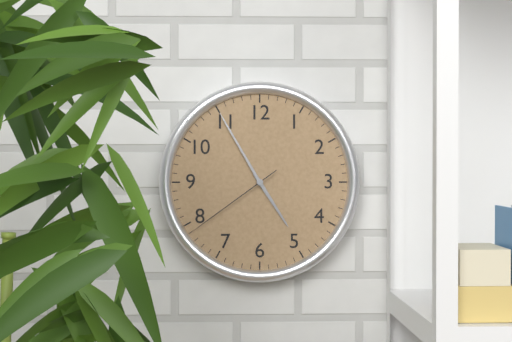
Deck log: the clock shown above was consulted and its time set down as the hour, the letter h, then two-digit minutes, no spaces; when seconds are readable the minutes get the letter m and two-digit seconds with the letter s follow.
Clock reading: 4h55m39s
